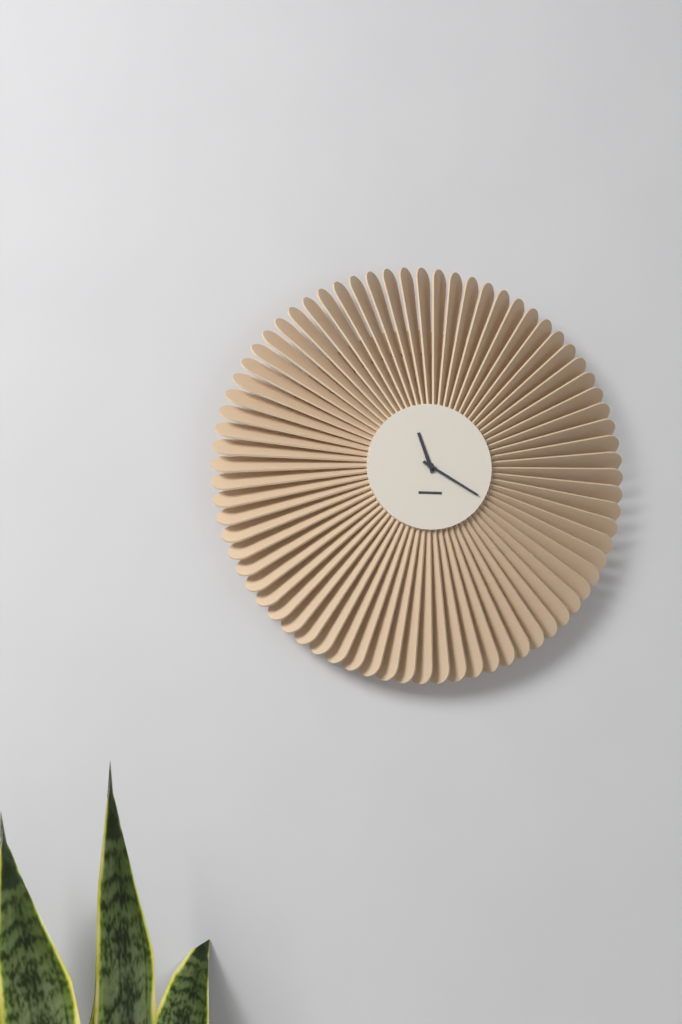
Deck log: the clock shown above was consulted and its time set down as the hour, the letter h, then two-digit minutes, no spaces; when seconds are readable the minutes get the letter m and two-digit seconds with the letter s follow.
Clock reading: 11h20
